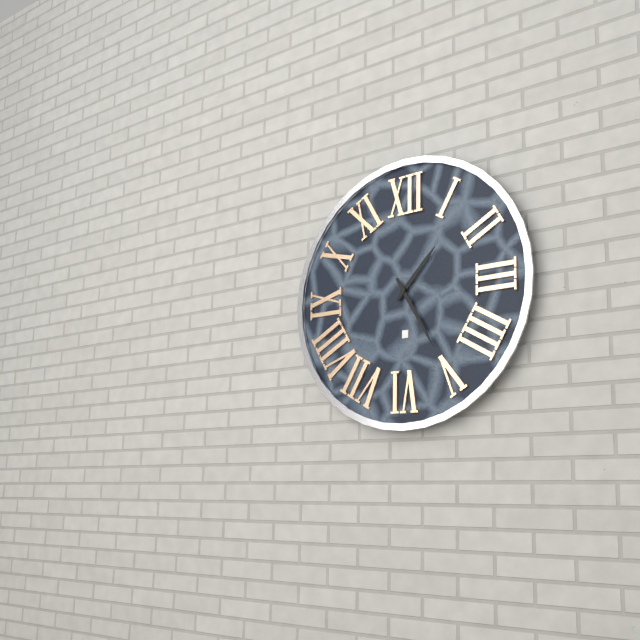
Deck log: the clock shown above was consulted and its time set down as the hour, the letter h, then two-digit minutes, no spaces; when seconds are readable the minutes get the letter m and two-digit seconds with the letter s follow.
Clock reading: 1h25
